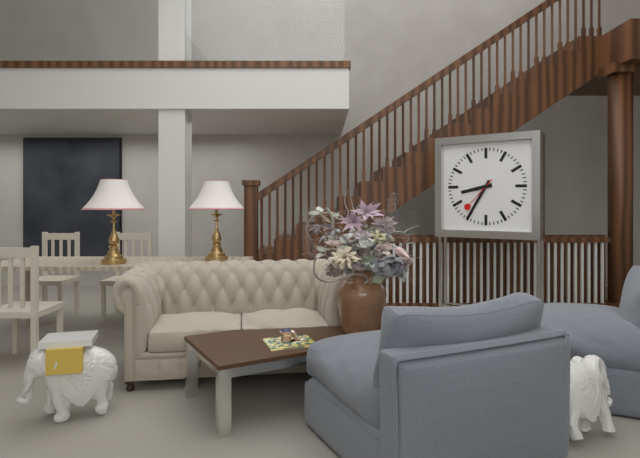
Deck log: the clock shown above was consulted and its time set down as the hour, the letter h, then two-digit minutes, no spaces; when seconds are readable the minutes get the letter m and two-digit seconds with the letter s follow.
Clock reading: 8h35
